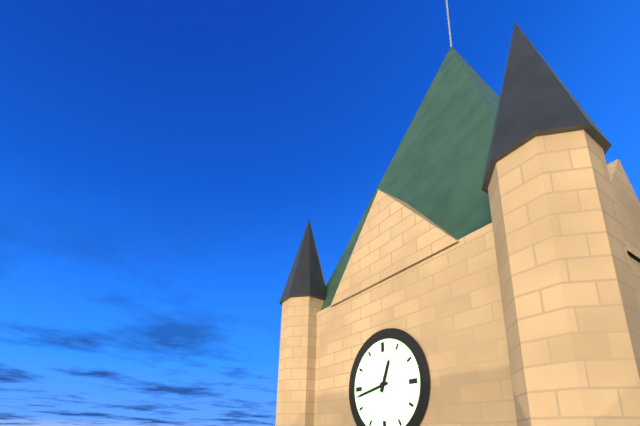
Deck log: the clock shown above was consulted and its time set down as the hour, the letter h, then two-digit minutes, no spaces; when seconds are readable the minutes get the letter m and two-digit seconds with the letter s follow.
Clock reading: 12h43
